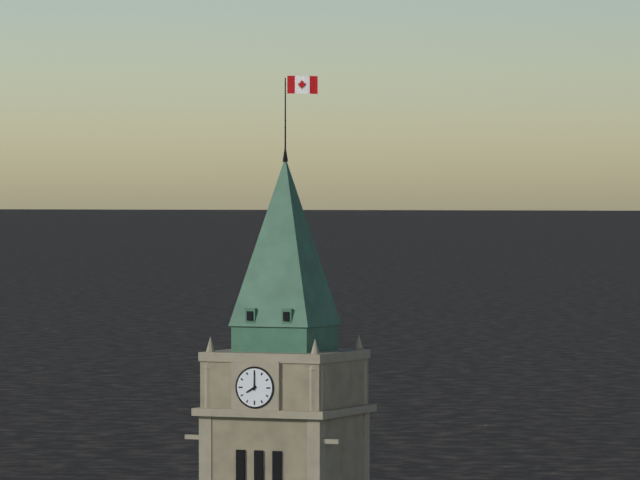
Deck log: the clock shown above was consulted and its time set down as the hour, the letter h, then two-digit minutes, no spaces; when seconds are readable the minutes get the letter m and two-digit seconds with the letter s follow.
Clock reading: 8h00
